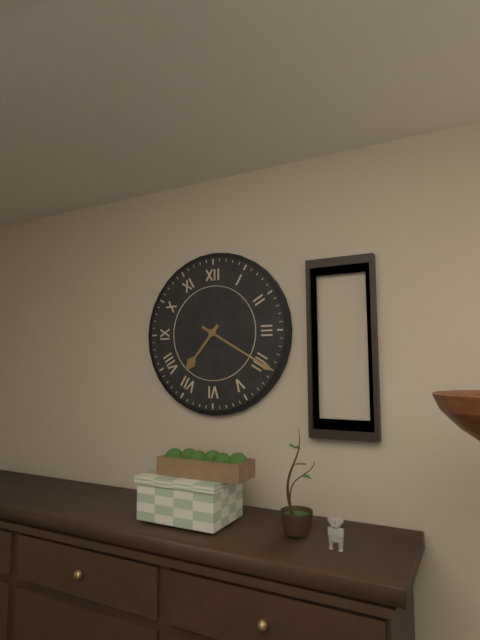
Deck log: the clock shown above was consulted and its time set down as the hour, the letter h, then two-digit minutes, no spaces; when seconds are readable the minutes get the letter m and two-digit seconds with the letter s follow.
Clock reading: 7h20
